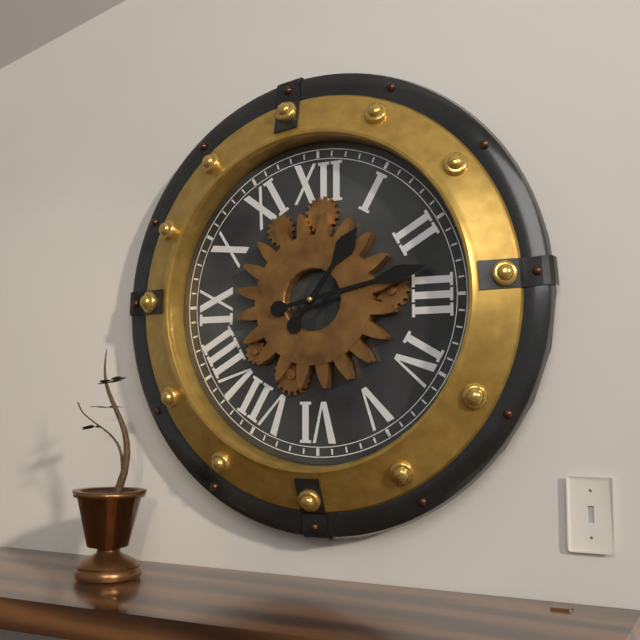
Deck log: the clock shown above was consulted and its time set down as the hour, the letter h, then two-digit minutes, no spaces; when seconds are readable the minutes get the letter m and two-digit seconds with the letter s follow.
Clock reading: 1h13
